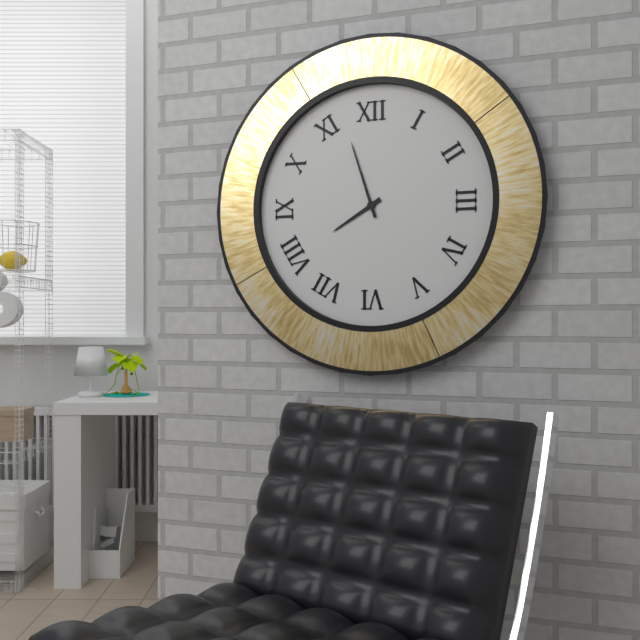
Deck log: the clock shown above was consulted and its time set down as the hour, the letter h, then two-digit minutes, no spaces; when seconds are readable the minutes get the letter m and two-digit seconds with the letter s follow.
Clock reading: 7h57
